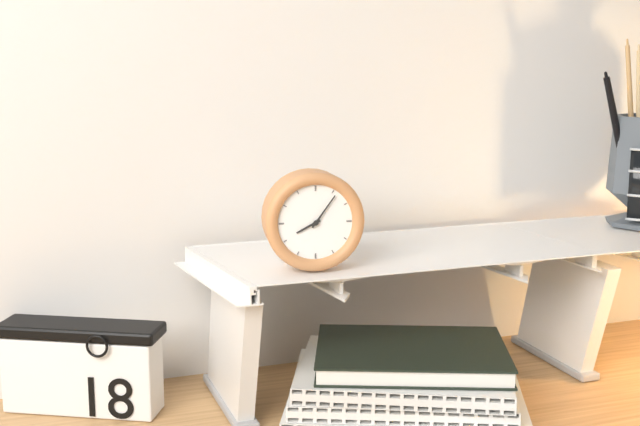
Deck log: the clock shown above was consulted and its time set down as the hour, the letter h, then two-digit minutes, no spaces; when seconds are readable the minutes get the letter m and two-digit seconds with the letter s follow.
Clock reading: 8h06
